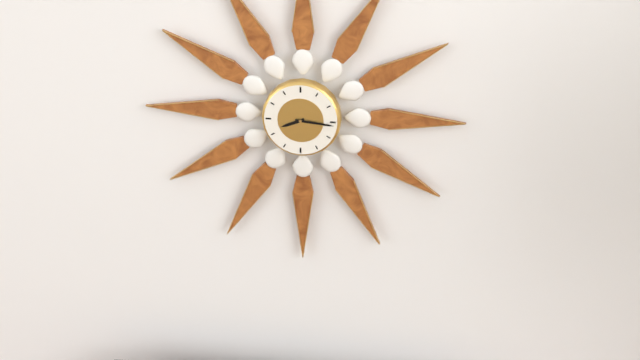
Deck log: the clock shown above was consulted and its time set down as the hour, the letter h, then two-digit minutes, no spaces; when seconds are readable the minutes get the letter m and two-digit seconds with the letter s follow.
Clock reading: 8h16
